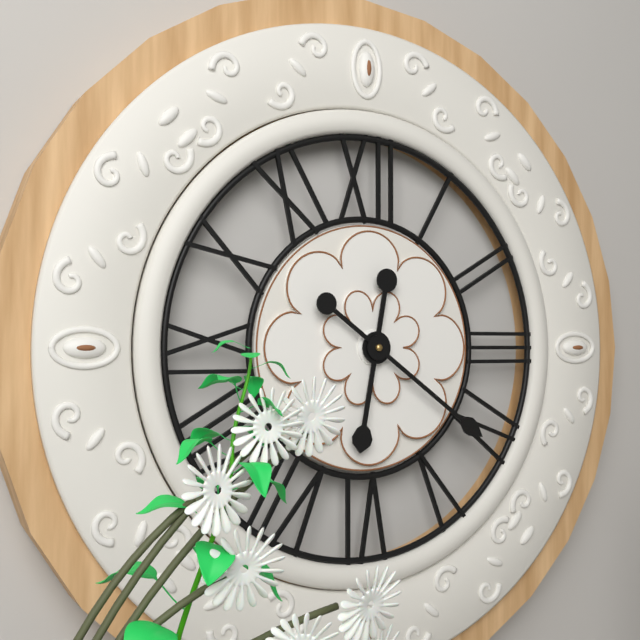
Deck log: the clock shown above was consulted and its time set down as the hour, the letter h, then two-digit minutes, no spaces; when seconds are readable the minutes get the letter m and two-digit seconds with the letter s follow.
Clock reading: 6h21
